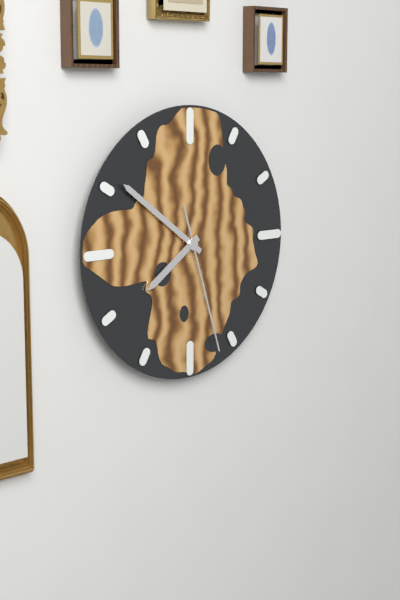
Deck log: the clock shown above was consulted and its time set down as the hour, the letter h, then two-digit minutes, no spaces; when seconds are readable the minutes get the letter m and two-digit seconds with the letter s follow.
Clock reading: 7h51m27s
